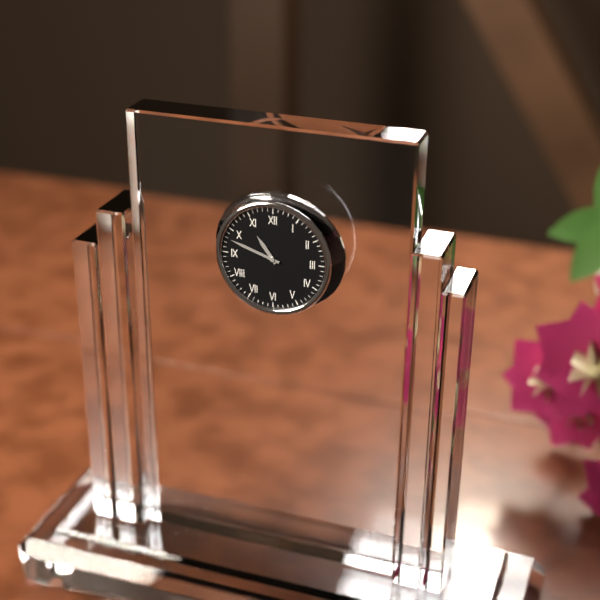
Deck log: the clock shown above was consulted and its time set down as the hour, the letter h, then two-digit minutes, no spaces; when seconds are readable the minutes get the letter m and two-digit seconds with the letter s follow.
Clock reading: 10h48
